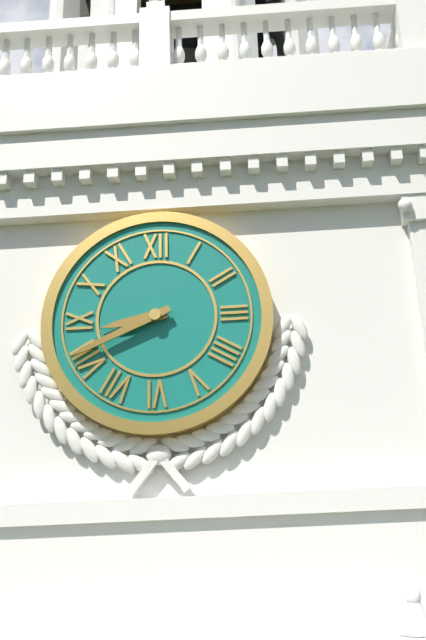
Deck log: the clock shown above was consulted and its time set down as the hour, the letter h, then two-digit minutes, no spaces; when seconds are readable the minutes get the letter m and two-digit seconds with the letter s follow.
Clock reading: 8h41
